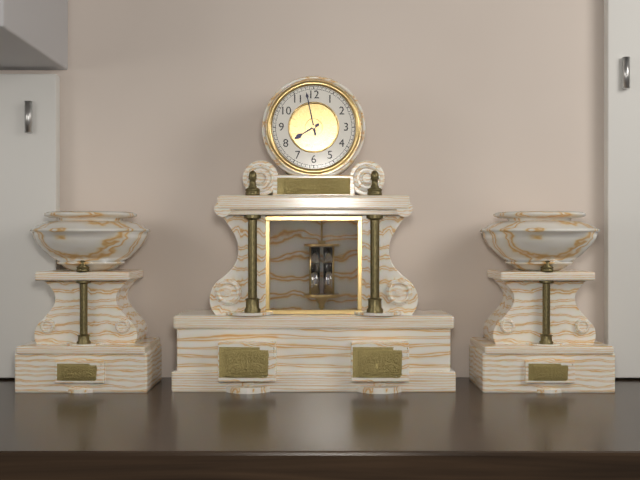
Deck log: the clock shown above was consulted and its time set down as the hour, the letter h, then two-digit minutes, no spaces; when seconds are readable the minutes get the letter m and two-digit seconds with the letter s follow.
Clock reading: 7h58
